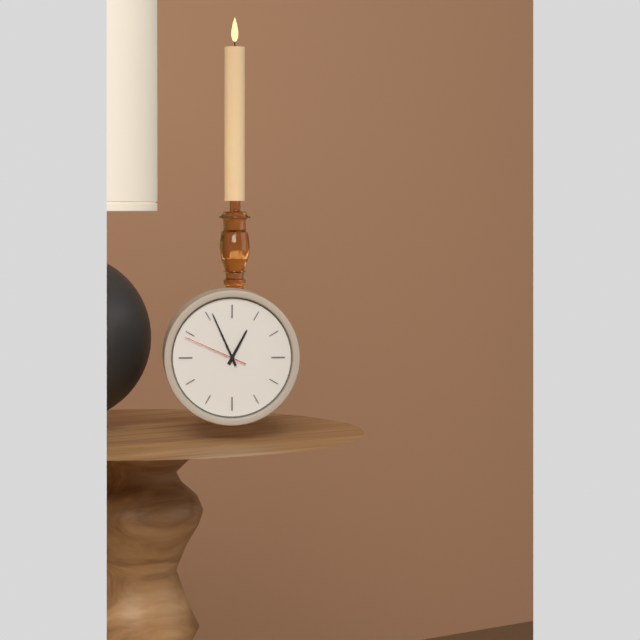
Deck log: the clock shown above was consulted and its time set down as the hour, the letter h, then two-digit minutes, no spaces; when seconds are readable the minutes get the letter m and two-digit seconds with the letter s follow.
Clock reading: 12h56m49s
